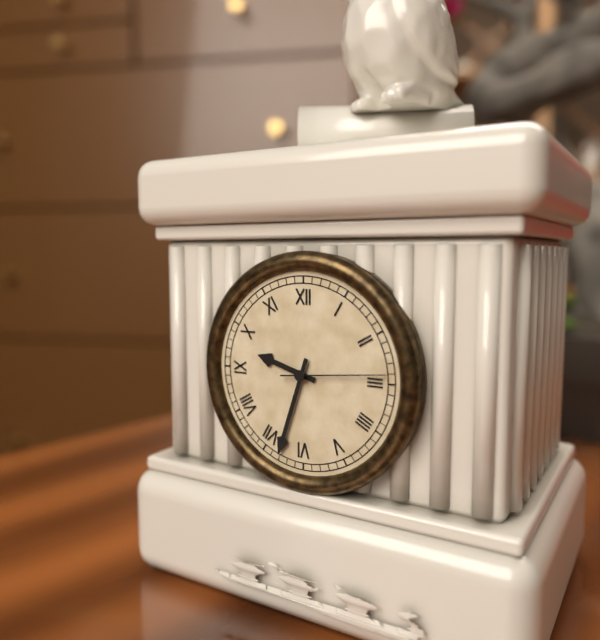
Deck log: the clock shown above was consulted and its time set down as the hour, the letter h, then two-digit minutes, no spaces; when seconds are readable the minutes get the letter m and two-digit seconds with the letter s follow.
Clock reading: 9h33m14s
